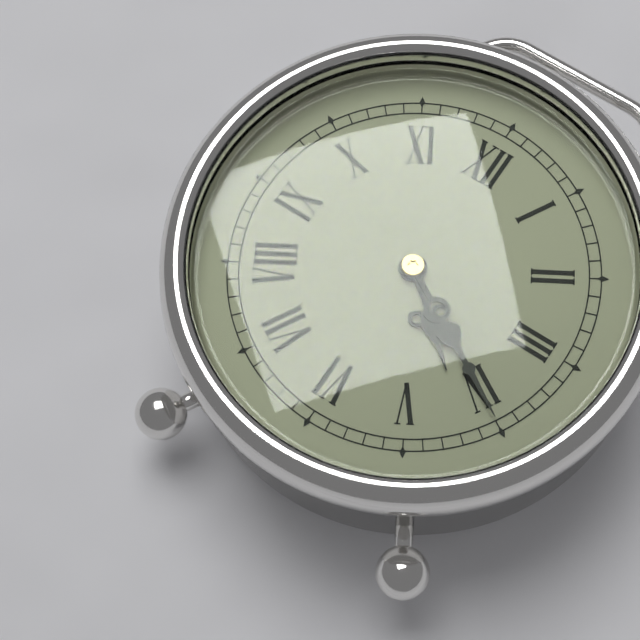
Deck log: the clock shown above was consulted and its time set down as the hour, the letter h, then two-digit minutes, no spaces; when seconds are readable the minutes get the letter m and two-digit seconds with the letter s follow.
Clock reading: 4h20
